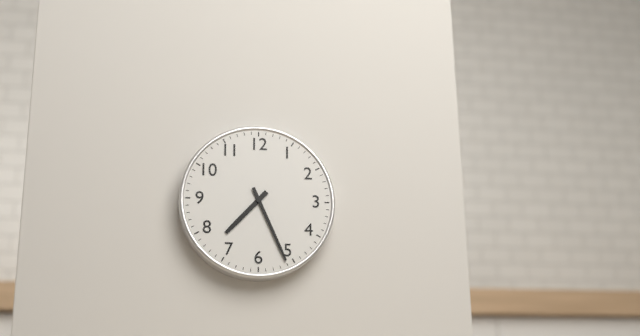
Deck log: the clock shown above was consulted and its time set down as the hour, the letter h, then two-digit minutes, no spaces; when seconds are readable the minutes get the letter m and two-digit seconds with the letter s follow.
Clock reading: 7h26
